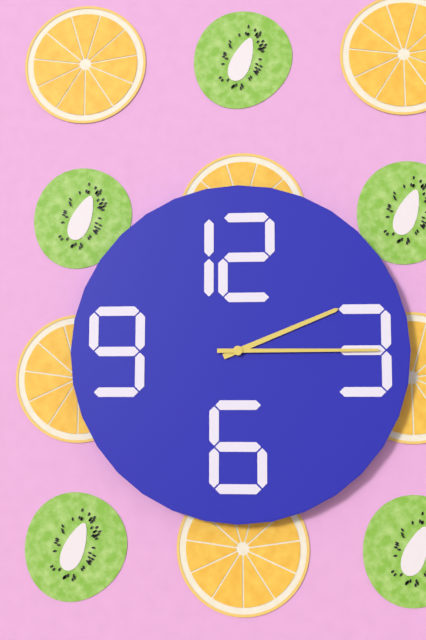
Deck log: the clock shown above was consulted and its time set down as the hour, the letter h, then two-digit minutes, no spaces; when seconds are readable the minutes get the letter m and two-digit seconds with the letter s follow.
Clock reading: 2h15
